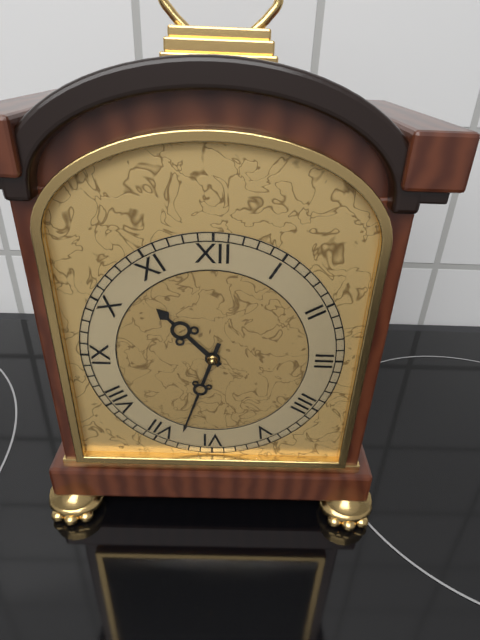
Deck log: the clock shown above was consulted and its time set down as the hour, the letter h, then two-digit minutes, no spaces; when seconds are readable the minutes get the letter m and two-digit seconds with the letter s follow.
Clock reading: 10h33
